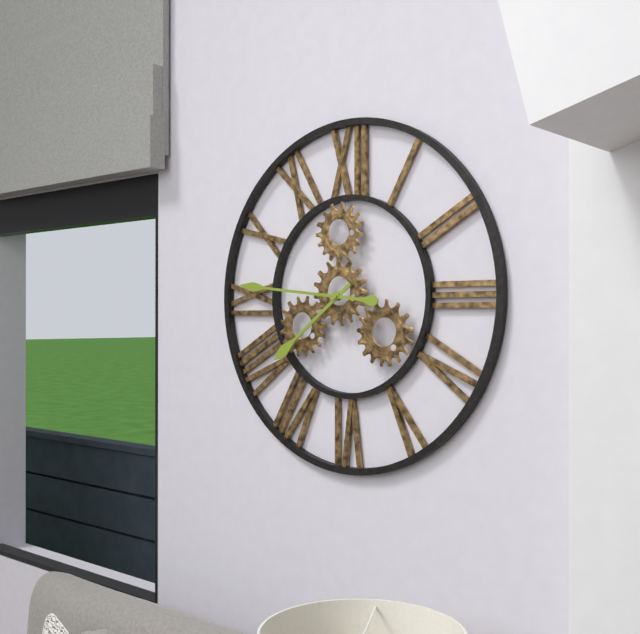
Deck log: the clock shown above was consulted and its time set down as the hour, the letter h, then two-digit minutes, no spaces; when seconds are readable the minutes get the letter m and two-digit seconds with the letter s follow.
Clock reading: 7h46
